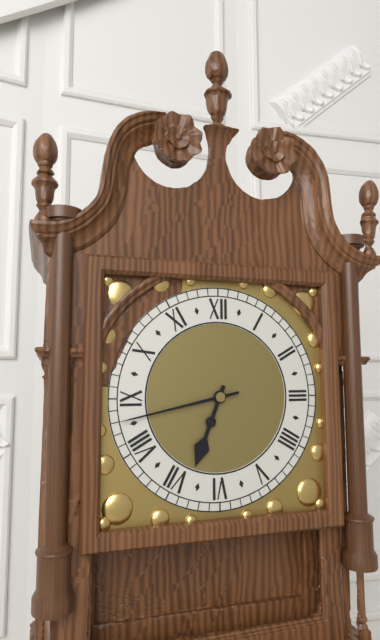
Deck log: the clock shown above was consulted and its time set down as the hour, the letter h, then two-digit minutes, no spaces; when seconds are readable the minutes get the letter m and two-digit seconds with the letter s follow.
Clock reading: 6h43
